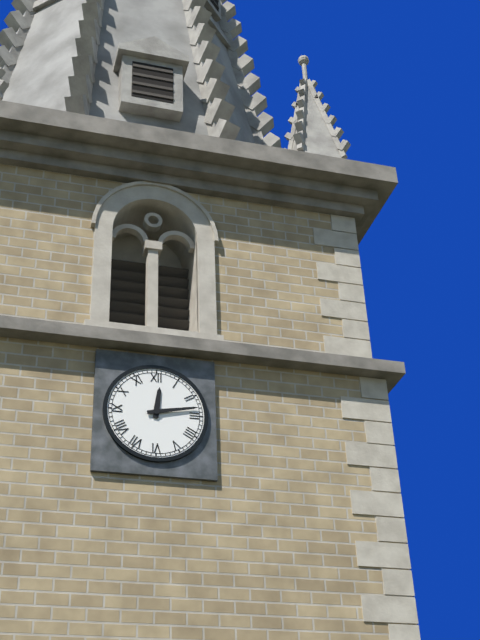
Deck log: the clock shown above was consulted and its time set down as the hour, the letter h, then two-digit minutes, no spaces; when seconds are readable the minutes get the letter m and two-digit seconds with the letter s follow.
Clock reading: 12h13
